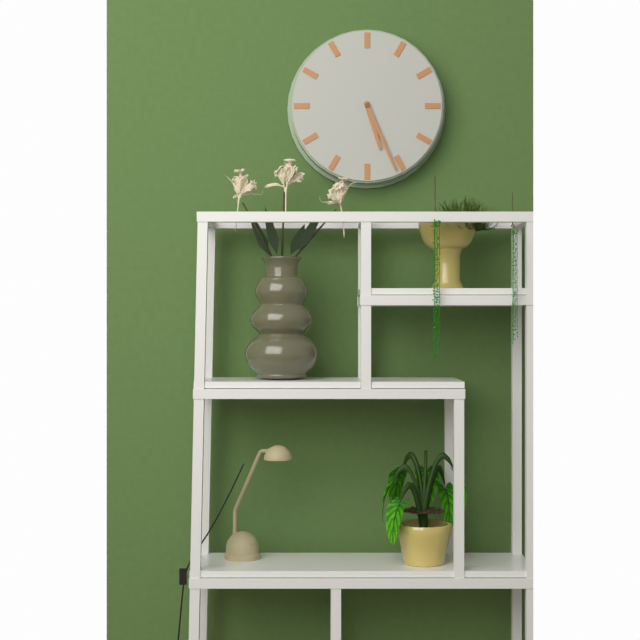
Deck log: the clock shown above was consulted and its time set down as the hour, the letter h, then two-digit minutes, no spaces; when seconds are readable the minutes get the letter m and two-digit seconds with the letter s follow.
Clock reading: 5h26
